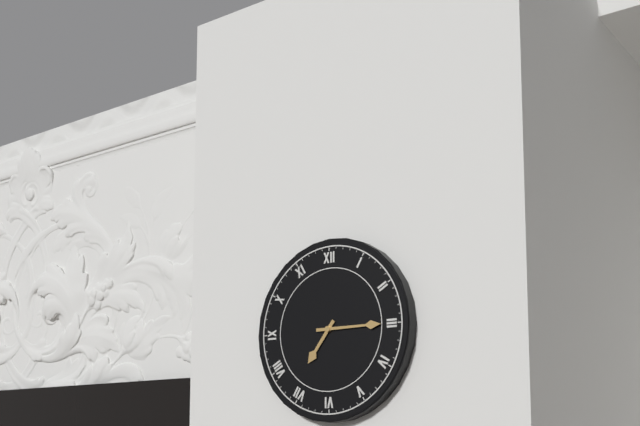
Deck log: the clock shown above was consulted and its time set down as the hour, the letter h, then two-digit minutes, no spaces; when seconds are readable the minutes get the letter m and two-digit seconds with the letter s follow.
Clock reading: 7h15
